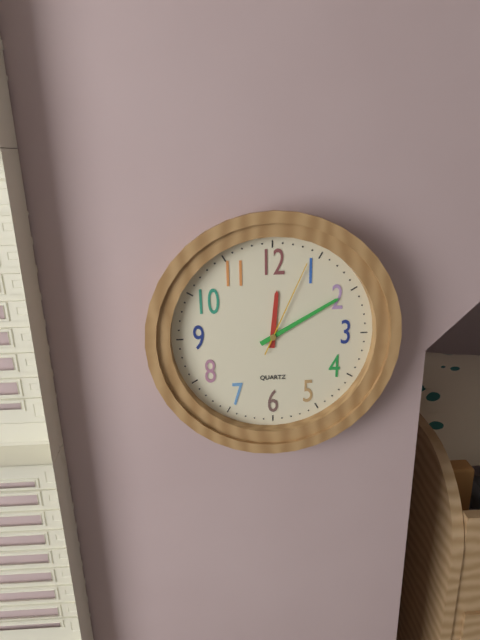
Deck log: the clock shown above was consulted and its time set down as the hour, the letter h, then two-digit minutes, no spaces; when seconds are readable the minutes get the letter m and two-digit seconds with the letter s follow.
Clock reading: 12h10m04s
